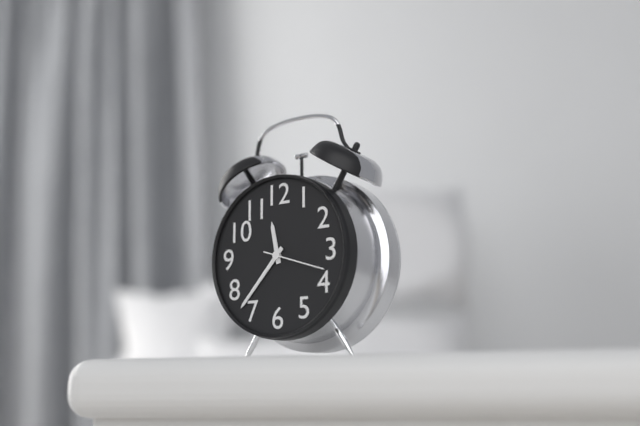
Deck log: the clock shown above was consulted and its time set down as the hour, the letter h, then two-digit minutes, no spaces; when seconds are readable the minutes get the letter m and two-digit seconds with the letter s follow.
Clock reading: 11h37m18s
